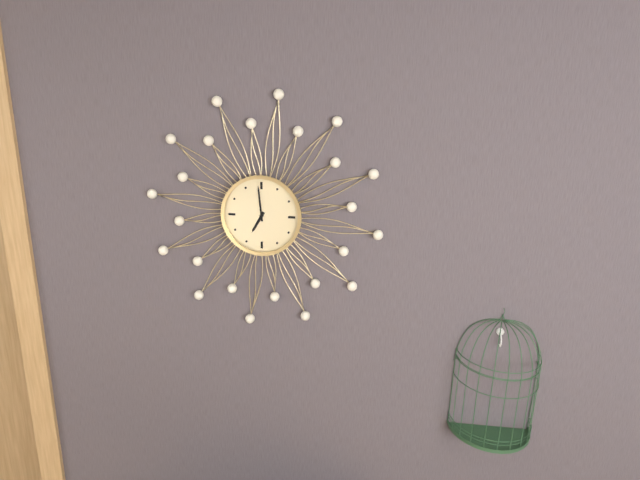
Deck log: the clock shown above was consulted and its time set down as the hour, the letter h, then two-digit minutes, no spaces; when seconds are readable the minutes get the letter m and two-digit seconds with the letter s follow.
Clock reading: 6h59
